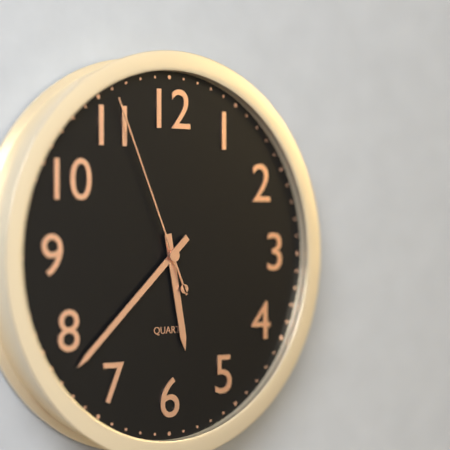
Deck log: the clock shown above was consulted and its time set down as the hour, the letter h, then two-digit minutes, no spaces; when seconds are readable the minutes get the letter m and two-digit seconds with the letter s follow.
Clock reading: 5h38m56s
